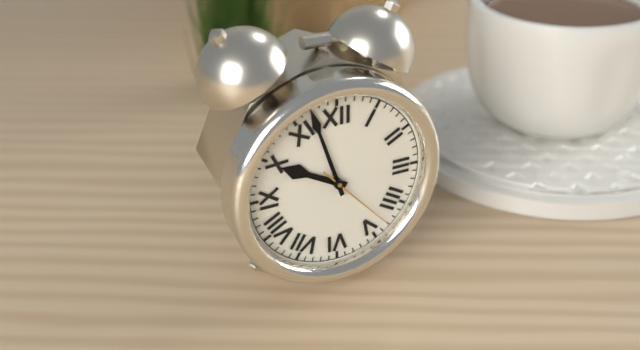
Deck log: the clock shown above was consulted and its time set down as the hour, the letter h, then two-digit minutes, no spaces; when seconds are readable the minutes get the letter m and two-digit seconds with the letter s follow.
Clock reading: 9h57m23s
